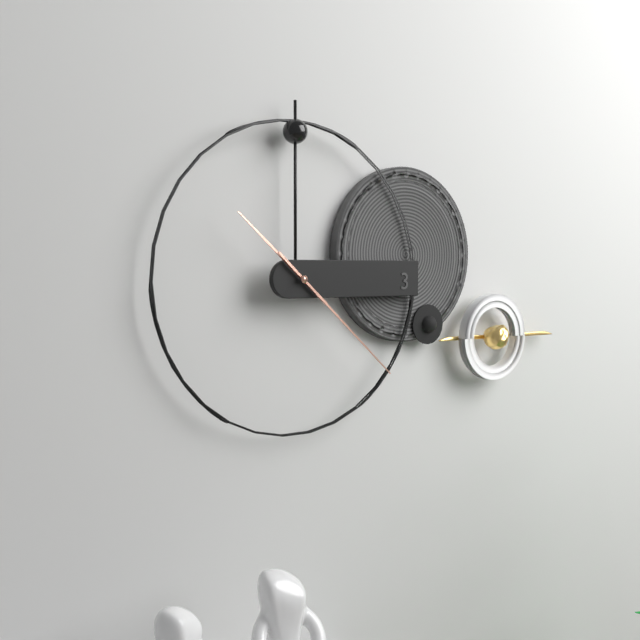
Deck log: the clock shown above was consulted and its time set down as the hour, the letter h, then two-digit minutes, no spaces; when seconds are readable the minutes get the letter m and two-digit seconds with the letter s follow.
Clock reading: 10h22
